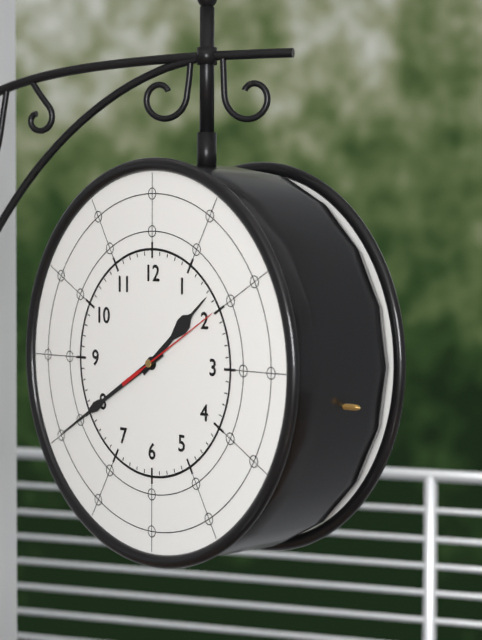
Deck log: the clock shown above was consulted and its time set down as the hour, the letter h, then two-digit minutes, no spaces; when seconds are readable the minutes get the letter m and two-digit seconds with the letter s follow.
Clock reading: 1h40m10s
